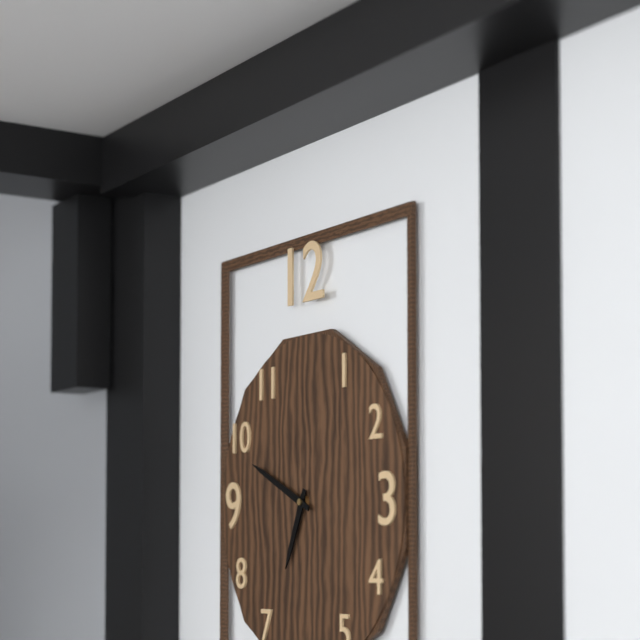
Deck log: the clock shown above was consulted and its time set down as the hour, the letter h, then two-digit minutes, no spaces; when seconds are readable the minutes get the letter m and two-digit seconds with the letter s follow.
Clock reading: 6h49
